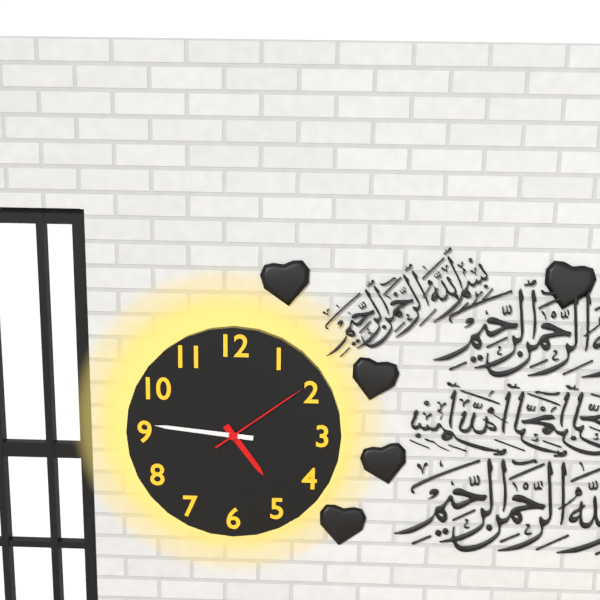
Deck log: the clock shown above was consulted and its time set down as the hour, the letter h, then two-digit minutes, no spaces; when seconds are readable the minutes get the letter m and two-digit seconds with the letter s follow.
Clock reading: 4h46m09s
